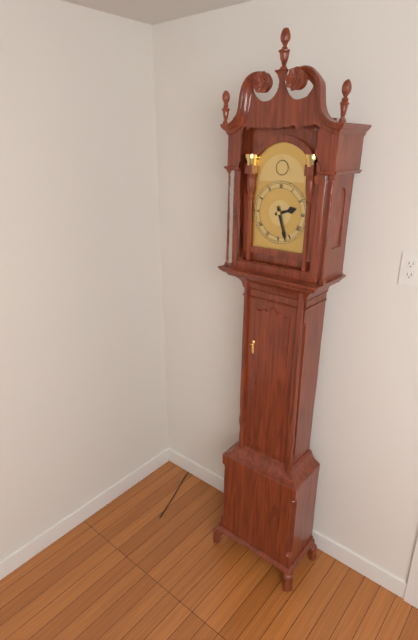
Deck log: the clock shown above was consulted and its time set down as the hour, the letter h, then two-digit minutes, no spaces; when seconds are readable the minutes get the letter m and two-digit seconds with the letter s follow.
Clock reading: 2h27
